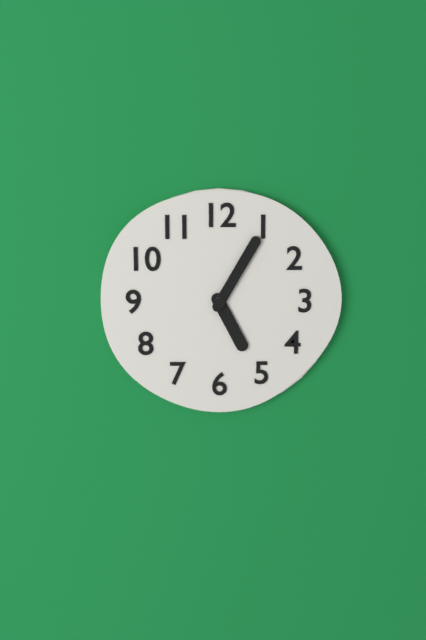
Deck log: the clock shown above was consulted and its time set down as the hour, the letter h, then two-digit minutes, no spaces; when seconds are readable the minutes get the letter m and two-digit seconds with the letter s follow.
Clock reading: 5h05
